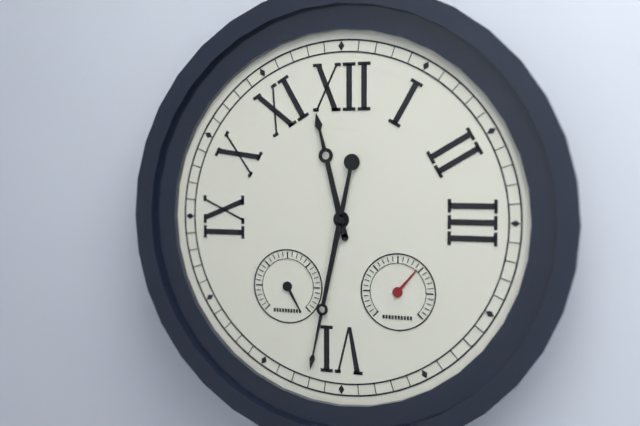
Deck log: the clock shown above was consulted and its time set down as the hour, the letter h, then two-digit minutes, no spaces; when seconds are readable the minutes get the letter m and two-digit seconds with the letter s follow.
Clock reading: 11h32
